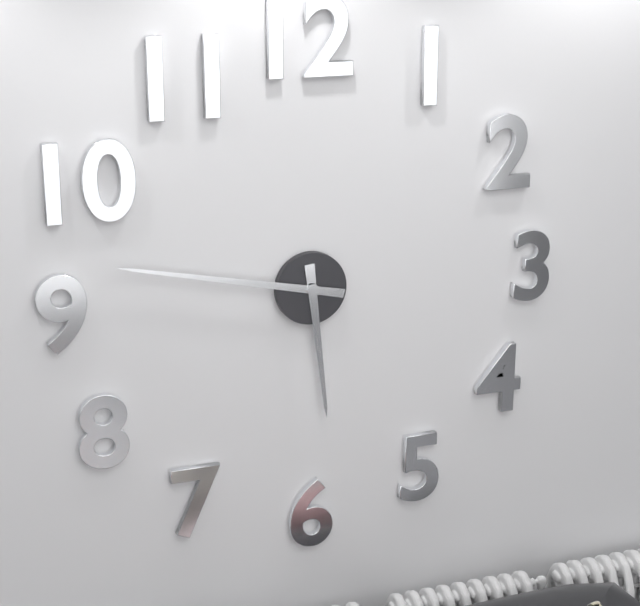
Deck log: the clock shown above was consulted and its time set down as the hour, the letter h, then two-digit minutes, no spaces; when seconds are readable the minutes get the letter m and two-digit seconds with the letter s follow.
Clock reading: 5h47
